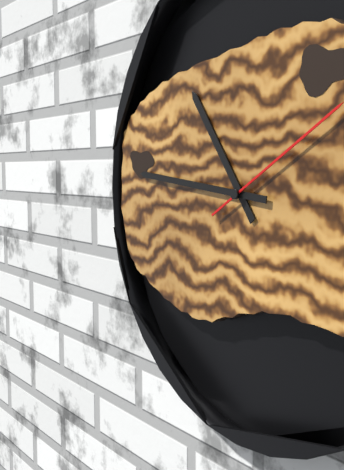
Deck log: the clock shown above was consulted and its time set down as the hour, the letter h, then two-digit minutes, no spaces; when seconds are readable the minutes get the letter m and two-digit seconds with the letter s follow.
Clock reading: 10h46
